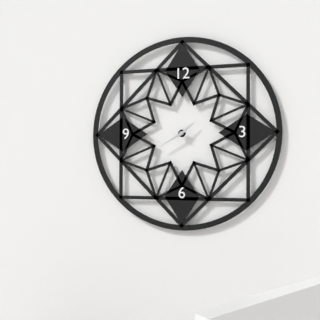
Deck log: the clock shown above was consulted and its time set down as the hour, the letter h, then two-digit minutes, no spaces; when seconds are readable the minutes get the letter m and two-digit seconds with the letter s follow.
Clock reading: 1h40
